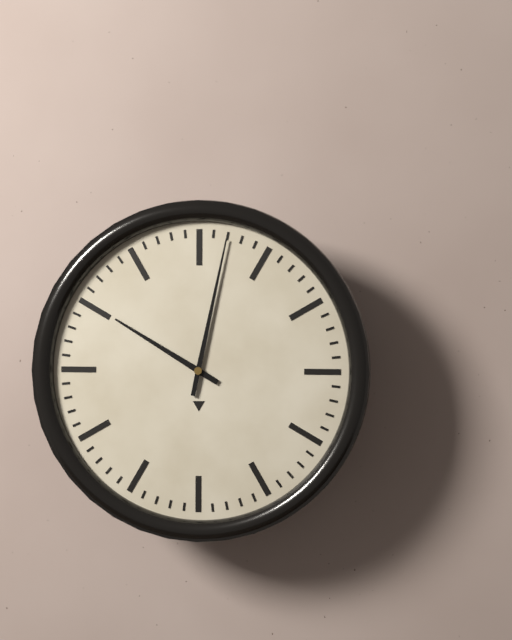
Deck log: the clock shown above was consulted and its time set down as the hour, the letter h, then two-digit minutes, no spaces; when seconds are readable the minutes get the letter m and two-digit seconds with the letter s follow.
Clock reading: 10h02
